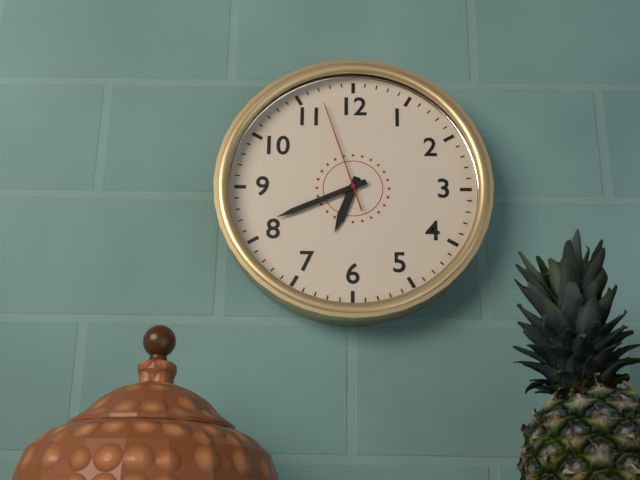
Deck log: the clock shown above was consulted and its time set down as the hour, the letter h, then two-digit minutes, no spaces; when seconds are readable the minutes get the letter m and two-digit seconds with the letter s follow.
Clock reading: 6h41m57s
